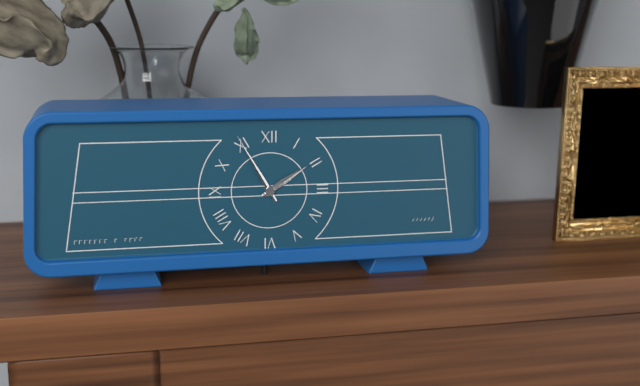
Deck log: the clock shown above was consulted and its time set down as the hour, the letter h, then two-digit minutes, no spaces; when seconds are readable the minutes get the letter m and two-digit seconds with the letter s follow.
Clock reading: 1h55
